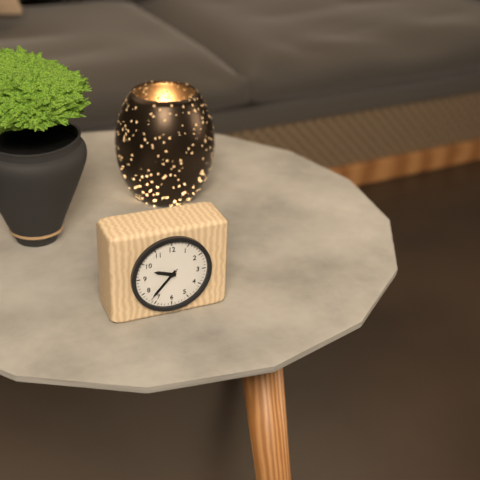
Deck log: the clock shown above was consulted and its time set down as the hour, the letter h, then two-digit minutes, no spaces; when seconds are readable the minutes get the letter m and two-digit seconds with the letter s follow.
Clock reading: 9h37
